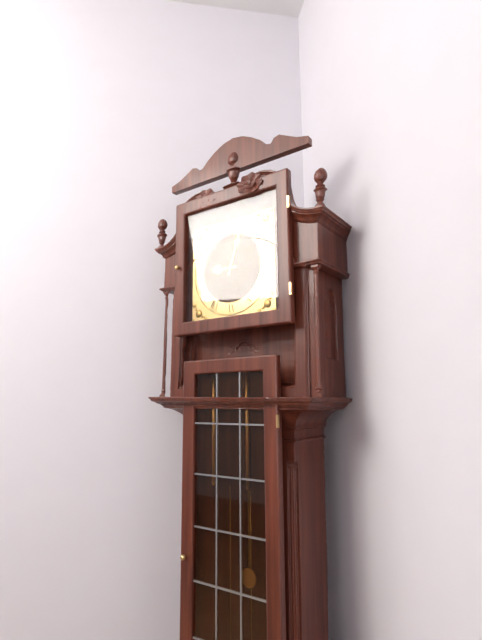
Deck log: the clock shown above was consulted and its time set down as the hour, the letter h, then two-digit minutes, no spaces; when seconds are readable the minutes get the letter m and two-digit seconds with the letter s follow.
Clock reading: 9h03
